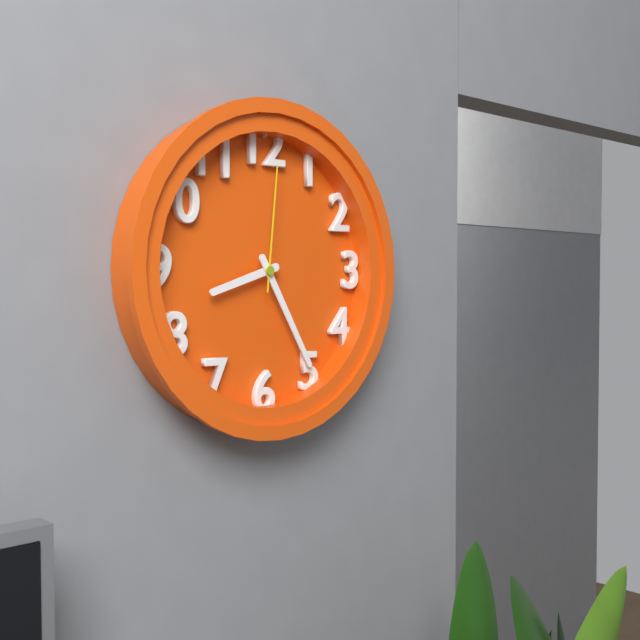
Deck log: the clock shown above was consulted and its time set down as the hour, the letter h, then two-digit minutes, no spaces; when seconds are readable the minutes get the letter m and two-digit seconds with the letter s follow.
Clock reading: 8h25m01s
